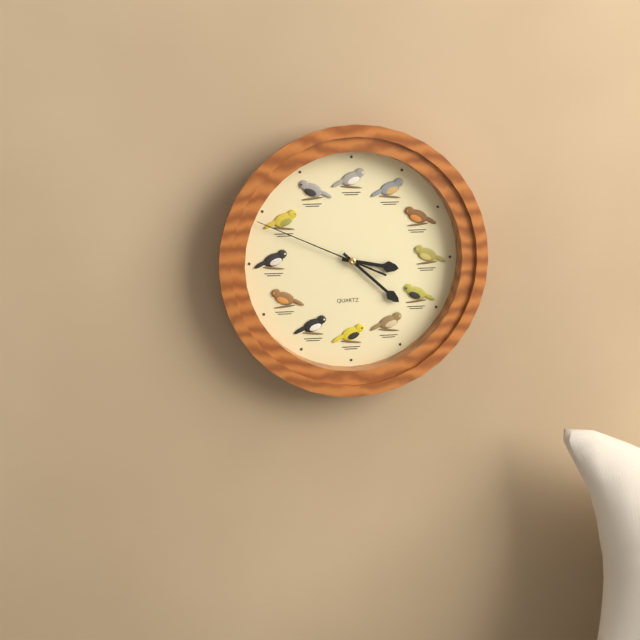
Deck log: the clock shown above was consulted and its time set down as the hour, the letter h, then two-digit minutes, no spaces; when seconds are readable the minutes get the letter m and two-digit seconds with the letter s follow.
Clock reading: 3h22m49s
